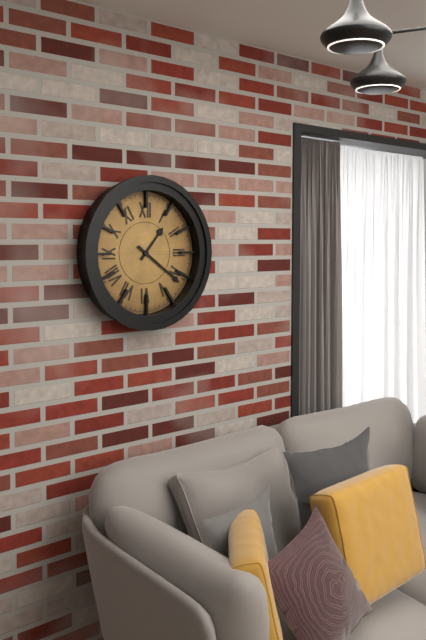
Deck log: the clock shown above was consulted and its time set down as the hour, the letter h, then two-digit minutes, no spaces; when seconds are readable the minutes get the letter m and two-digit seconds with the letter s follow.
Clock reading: 1h21
